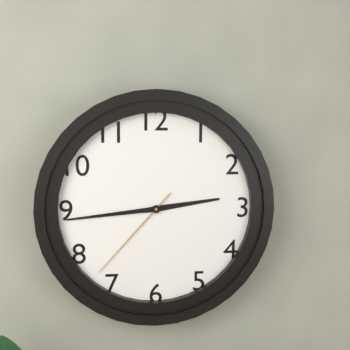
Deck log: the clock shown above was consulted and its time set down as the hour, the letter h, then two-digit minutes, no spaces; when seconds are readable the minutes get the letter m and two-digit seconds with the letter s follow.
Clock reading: 2h44m37s
